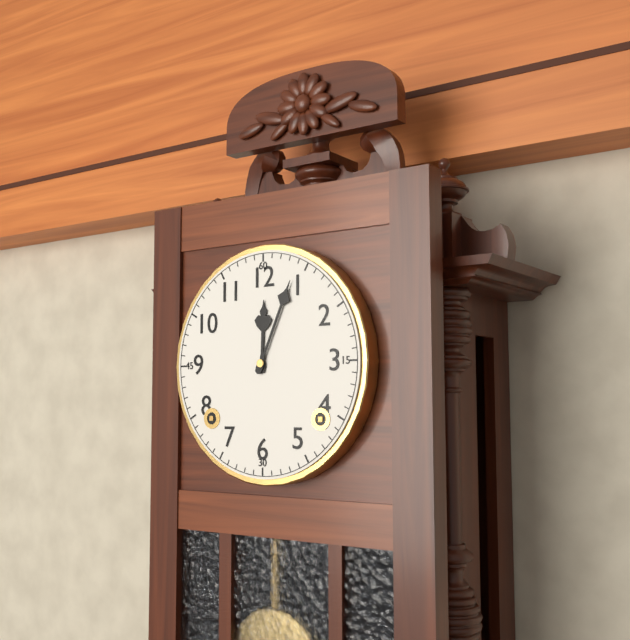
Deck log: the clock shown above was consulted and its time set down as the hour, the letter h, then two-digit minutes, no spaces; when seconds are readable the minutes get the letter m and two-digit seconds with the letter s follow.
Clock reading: 12h04
